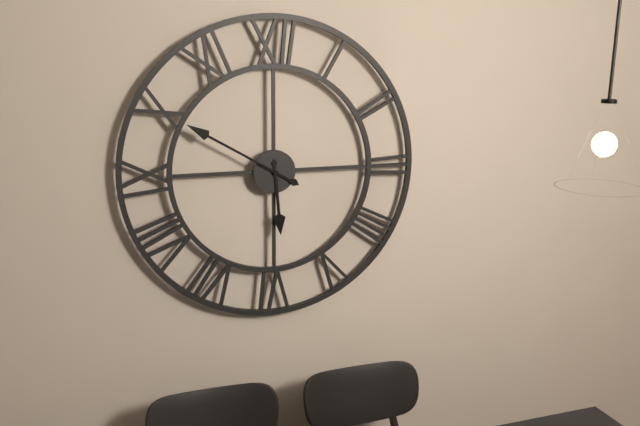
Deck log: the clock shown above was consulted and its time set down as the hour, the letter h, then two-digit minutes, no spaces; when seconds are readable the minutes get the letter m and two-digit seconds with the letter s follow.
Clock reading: 5h50
